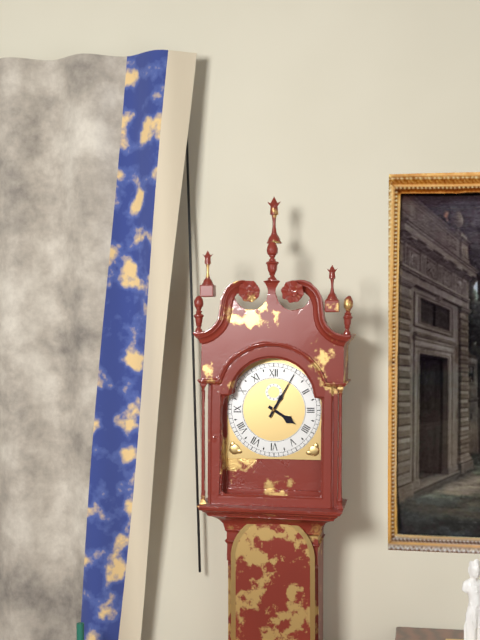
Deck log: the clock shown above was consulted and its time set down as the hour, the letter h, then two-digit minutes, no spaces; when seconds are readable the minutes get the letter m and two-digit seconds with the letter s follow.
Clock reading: 4h05
